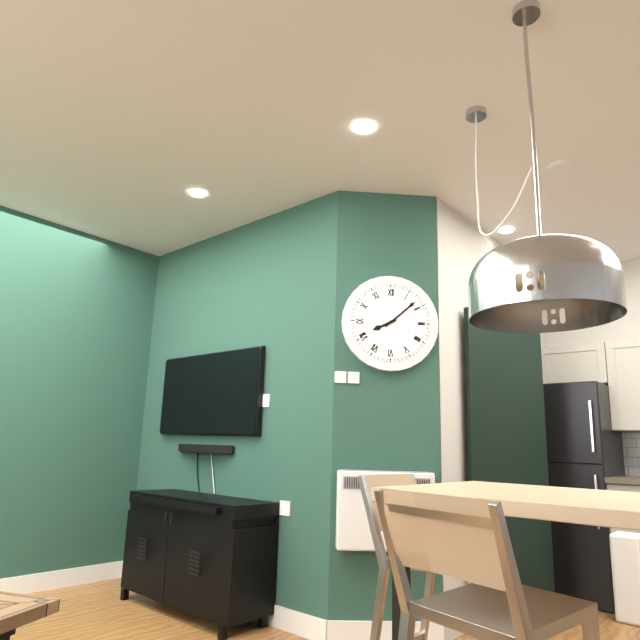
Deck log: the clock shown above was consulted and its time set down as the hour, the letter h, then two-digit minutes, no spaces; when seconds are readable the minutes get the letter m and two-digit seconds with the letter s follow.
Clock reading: 8h08
